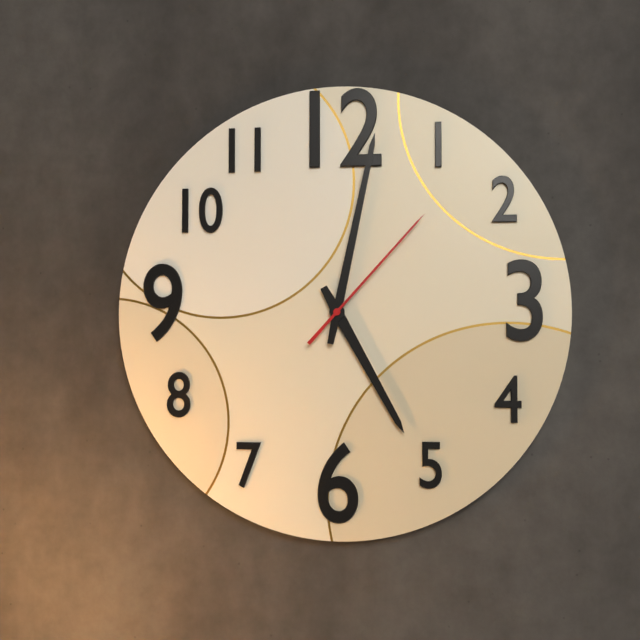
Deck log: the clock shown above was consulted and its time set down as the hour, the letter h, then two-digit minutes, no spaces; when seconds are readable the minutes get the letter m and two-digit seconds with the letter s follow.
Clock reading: 5h02m07s
